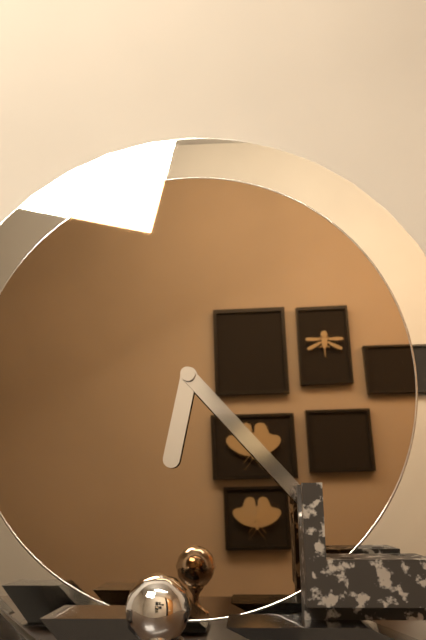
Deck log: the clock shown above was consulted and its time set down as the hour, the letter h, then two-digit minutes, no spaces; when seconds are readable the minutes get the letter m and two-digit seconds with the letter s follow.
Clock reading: 6h23
